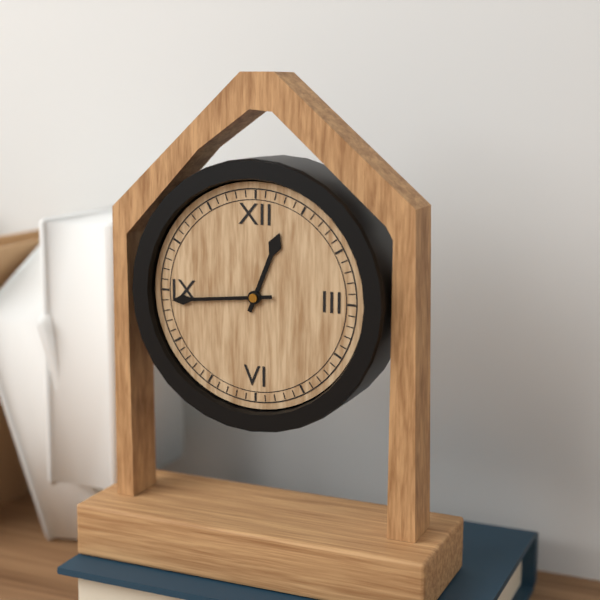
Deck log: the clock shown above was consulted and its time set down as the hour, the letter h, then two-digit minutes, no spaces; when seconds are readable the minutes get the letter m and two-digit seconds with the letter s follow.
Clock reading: 12h44
